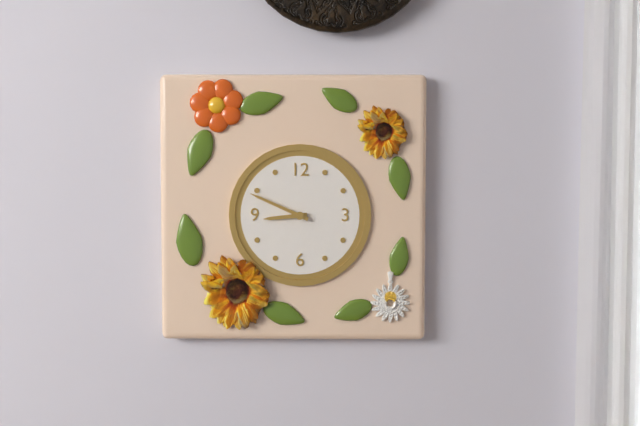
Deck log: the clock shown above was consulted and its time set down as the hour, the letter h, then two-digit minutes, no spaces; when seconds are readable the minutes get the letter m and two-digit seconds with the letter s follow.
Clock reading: 8h49
